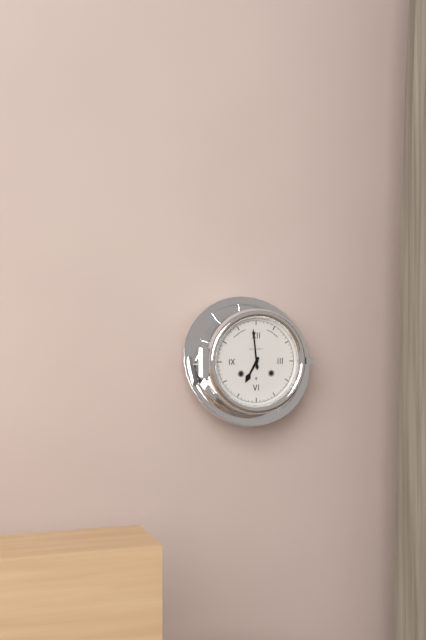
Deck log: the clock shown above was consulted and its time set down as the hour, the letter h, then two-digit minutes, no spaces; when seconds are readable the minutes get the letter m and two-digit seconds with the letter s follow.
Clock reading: 6h59
